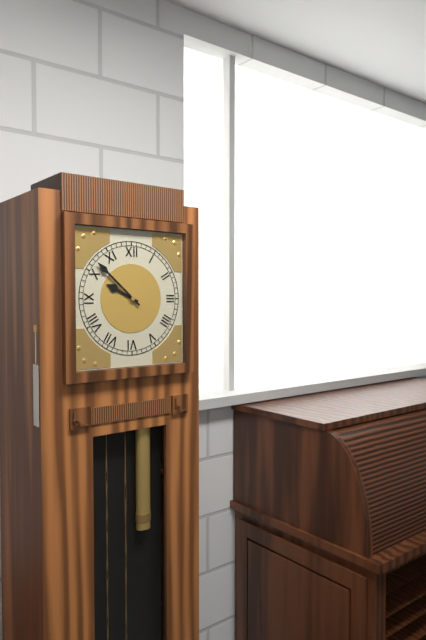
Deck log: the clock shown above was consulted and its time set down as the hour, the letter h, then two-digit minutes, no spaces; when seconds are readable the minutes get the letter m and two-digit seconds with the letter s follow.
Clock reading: 9h52
